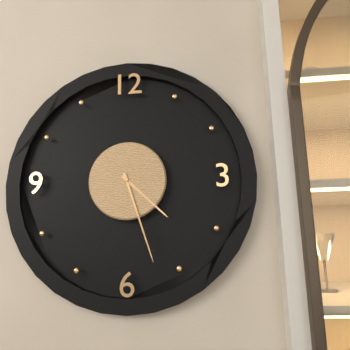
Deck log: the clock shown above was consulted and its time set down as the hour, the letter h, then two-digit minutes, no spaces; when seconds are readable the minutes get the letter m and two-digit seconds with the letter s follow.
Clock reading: 4h27
